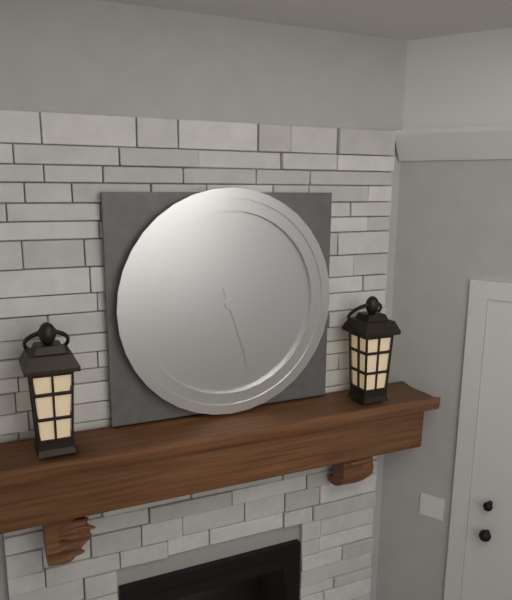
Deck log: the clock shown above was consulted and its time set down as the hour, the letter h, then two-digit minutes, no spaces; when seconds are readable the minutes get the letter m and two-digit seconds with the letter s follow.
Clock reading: 3h27
